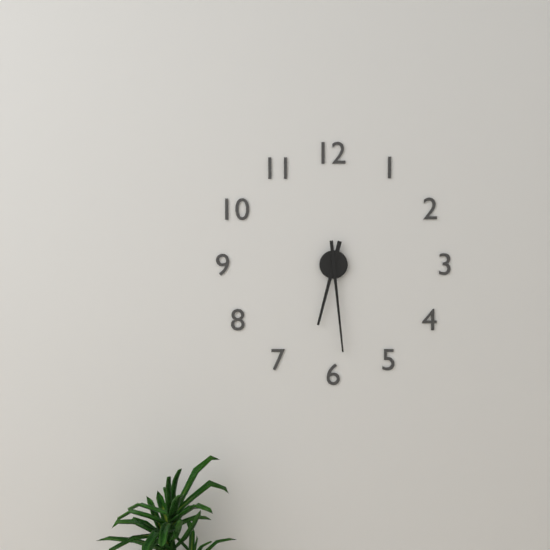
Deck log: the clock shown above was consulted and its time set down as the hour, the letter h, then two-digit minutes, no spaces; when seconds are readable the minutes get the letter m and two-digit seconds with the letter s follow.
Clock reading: 6h29
